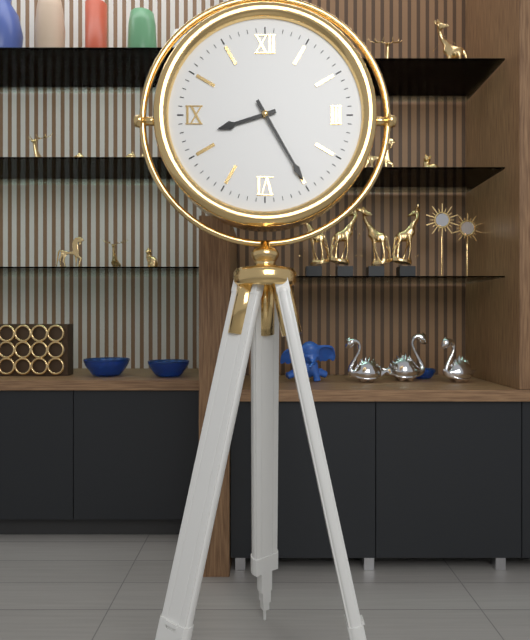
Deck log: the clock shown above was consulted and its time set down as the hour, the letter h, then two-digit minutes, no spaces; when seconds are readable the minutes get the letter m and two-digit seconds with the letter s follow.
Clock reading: 8h25
